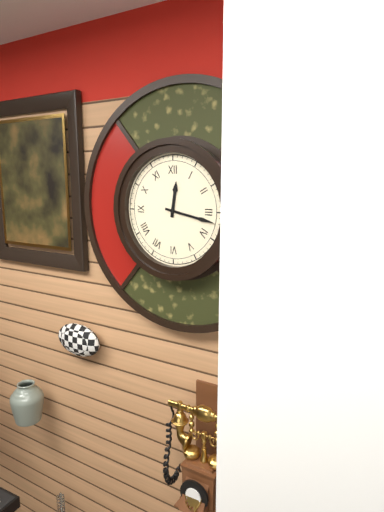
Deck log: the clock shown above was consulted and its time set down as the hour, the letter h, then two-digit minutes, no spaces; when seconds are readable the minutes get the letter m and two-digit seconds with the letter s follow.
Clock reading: 12h17
